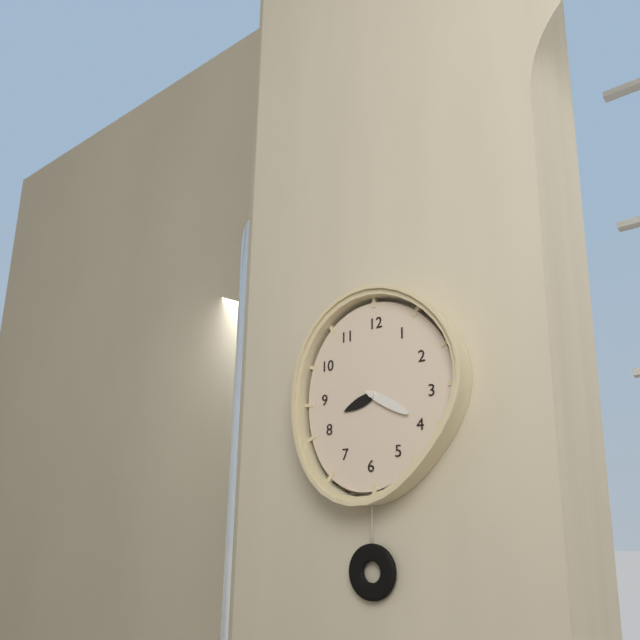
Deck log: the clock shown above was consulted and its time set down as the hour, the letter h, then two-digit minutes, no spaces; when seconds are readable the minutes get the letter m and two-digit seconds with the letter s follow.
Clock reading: 8h20
